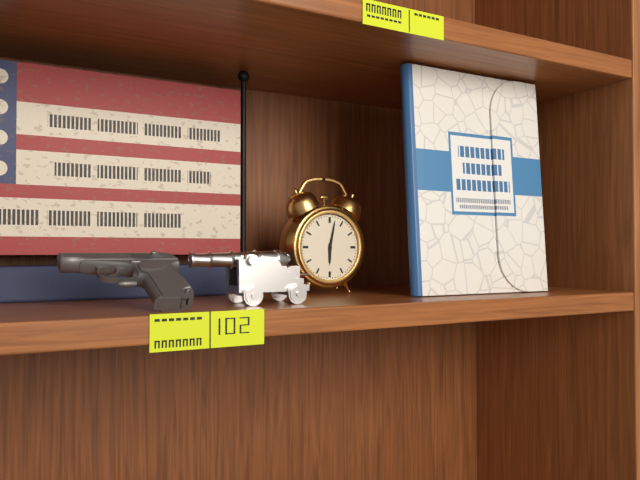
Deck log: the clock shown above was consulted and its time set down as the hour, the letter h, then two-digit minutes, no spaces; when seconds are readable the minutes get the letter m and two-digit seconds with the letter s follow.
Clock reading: 6h02
